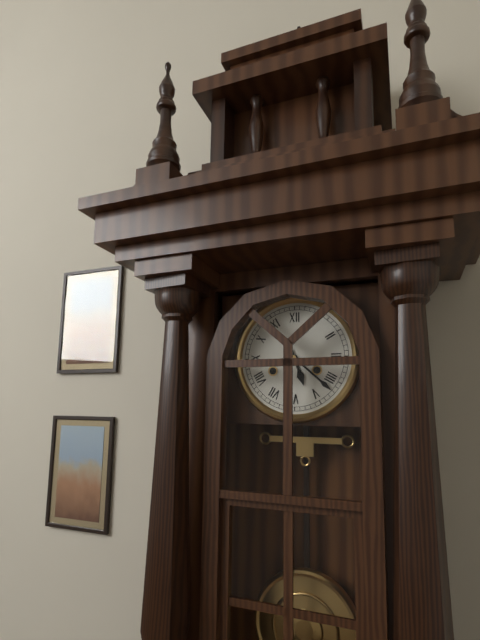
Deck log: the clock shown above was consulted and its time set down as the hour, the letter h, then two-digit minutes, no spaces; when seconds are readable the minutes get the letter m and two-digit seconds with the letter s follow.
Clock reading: 5h22
